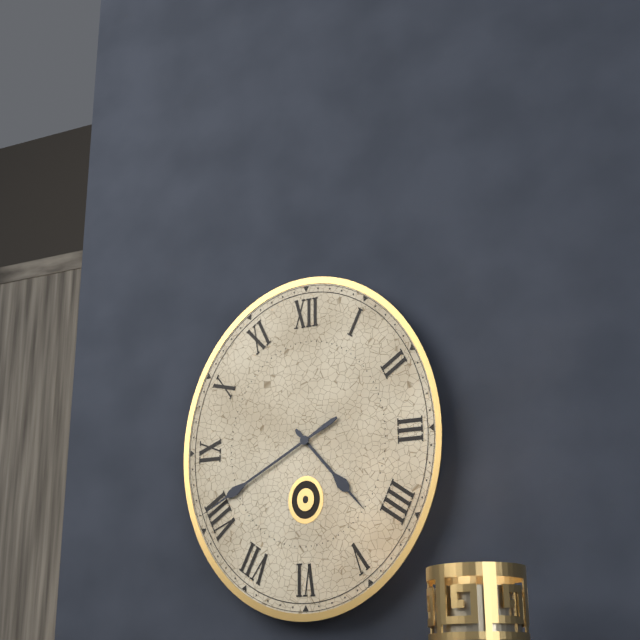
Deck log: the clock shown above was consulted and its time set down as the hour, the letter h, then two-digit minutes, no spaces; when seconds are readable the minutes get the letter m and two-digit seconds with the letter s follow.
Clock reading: 4h40
